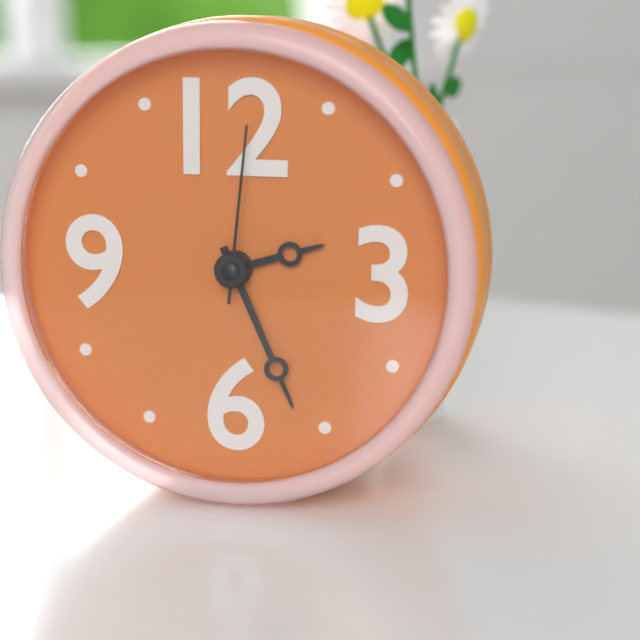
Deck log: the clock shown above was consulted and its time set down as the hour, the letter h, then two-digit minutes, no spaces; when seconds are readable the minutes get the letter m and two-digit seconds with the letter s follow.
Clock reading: 2h26m01s
